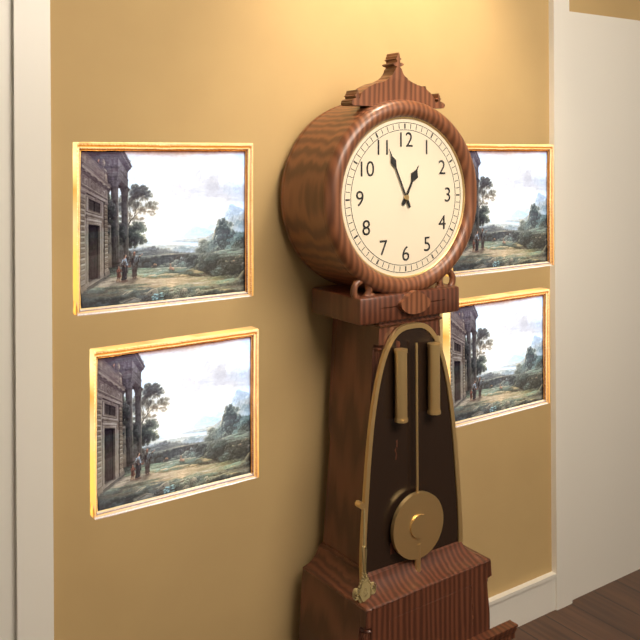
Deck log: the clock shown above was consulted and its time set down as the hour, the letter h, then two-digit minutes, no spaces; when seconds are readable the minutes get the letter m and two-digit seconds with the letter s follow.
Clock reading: 12h56
